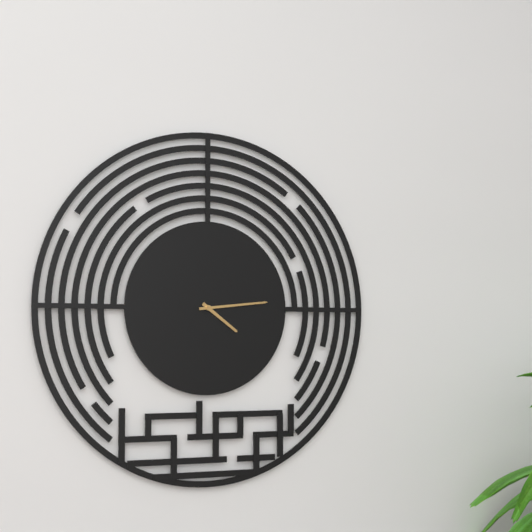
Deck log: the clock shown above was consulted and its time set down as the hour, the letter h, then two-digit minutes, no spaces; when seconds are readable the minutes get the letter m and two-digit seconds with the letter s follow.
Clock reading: 4h14
